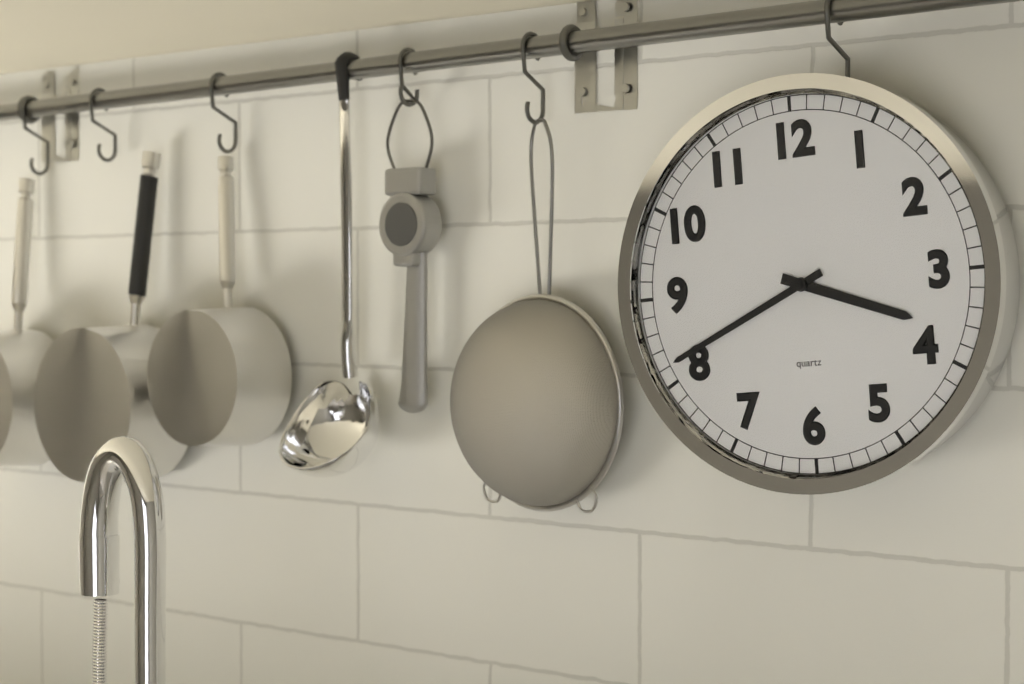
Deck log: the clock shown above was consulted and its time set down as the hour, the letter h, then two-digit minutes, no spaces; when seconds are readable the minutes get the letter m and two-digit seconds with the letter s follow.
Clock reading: 3h41
